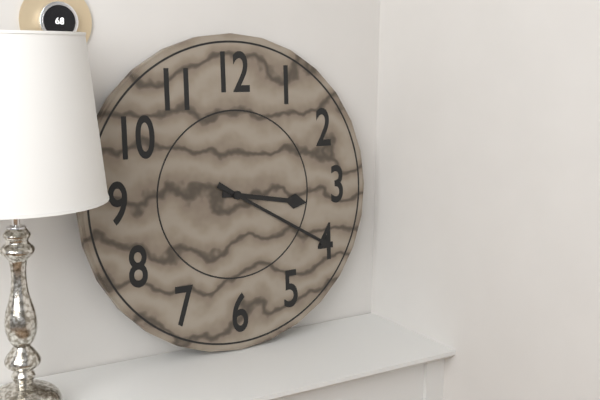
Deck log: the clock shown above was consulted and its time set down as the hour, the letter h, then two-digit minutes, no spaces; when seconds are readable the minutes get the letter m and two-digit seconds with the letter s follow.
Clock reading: 3h20
